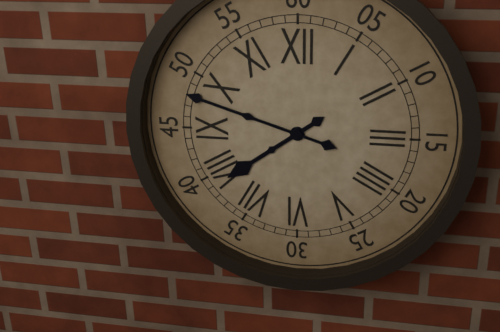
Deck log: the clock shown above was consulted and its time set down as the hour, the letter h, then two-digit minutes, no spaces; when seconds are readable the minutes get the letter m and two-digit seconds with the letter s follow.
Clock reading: 7h48
